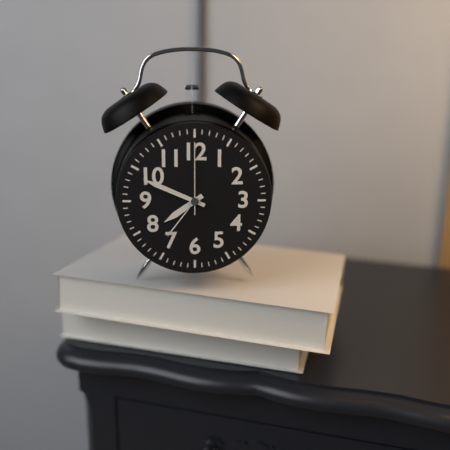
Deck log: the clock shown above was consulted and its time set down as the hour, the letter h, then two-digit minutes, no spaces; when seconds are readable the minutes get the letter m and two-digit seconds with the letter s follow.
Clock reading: 7h49m00s
